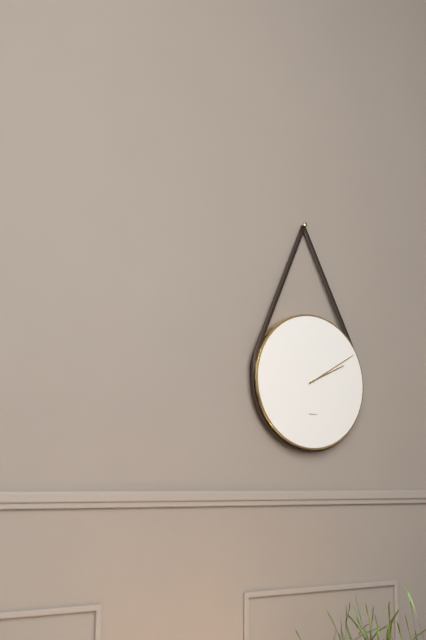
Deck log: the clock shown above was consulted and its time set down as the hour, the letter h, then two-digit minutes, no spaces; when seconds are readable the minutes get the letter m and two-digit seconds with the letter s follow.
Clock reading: 2h10
